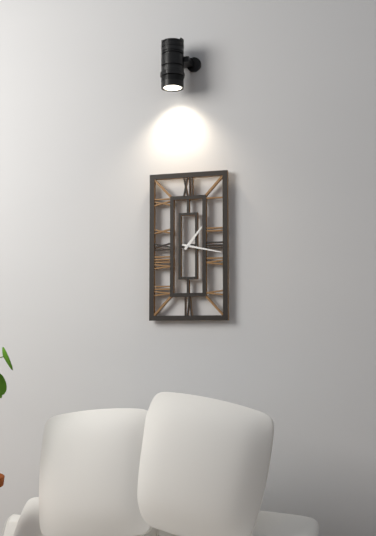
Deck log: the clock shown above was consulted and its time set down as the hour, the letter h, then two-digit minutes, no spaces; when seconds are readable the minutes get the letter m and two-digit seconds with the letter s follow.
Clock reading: 1h17
